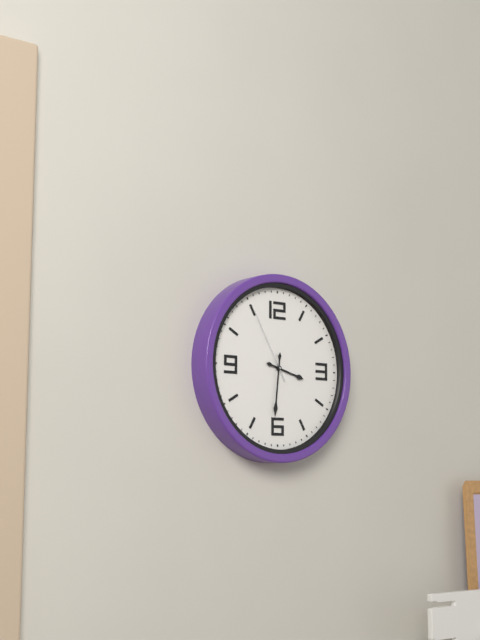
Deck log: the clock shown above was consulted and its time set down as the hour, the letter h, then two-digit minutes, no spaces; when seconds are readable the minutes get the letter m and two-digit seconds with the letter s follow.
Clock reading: 3h31m55s
